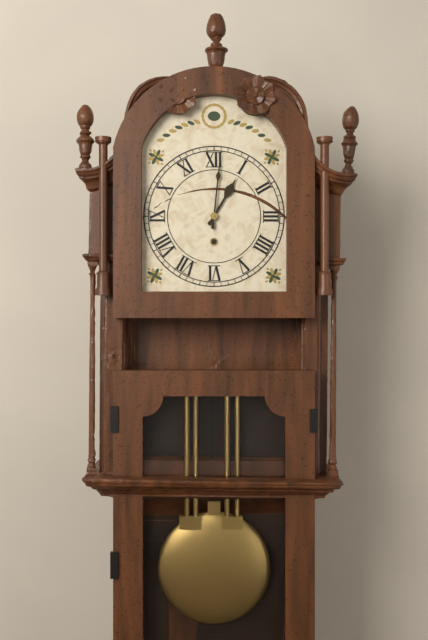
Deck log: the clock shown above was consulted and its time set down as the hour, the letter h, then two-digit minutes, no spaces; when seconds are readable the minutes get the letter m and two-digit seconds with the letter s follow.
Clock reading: 1h01
